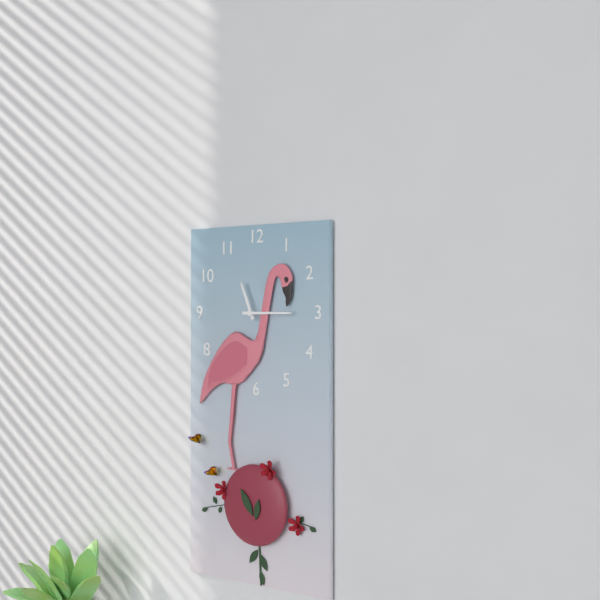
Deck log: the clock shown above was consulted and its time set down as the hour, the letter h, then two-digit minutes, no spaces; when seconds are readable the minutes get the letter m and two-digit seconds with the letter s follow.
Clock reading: 11h15
